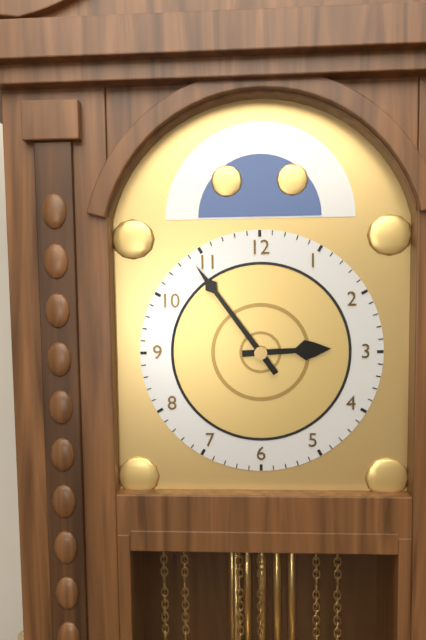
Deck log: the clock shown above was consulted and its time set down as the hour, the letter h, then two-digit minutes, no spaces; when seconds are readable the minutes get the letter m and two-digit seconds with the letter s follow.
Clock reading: 2h54
